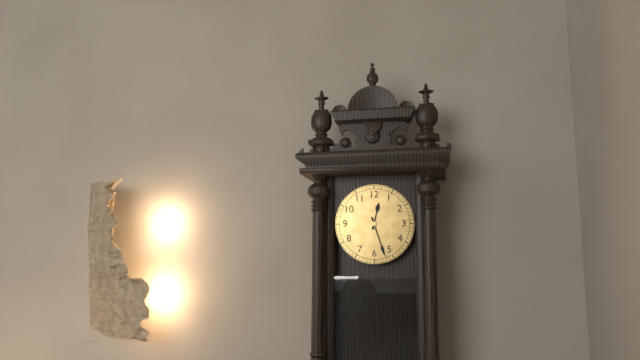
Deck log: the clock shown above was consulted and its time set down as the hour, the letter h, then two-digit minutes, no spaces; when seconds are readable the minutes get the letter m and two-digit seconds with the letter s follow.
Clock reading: 12h27
